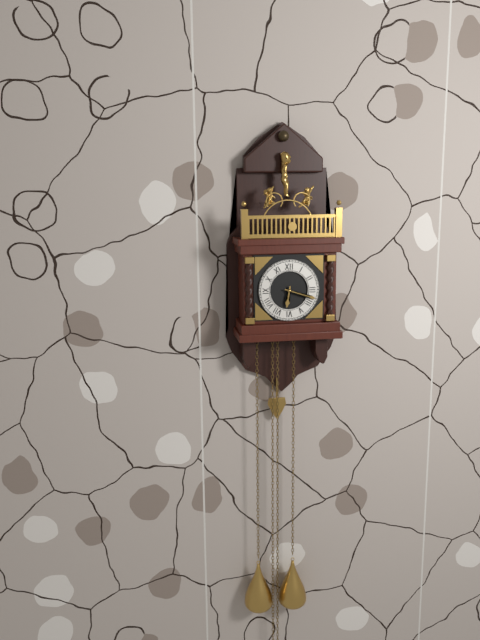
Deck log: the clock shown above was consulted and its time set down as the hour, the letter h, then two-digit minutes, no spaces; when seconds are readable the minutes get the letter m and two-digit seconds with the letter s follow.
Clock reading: 6h18
